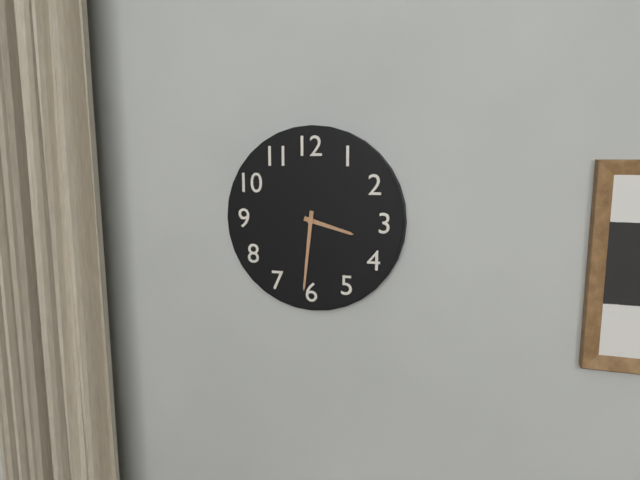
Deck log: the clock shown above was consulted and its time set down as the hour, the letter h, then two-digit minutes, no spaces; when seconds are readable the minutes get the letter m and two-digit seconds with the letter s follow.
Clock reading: 3h31
